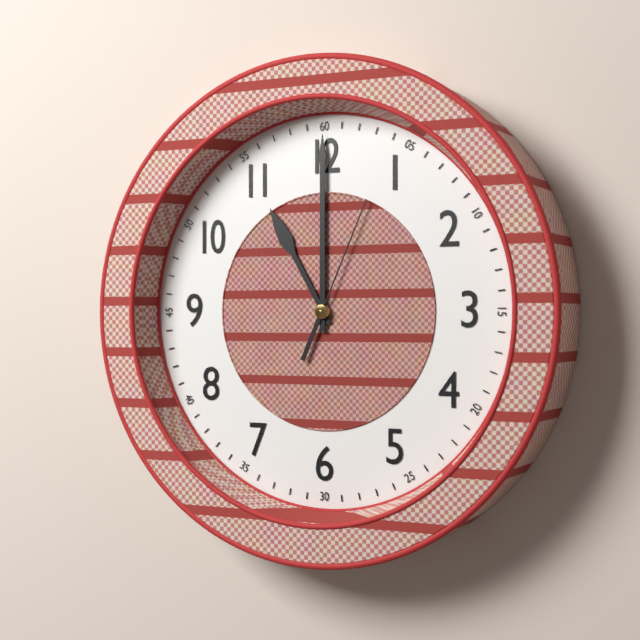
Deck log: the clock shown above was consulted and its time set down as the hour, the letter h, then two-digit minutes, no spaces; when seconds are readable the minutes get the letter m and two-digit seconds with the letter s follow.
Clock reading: 11h00m04s
